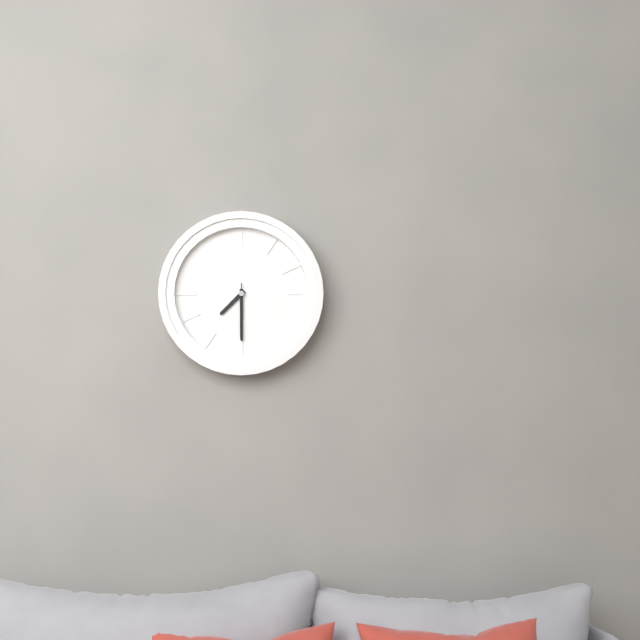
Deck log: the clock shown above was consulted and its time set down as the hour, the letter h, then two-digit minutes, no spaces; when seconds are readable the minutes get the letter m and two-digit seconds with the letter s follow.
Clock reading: 7h30m30s
